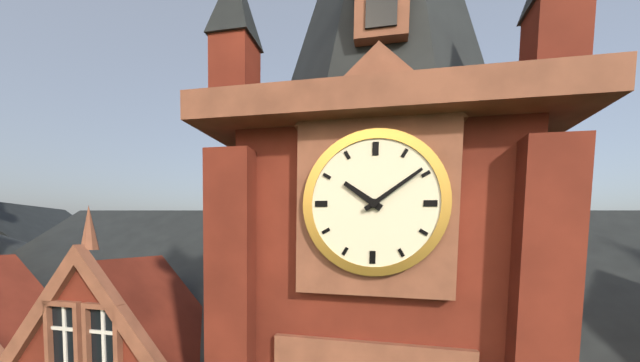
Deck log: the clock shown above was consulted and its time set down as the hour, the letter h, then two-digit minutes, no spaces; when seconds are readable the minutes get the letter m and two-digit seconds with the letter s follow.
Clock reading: 10h09
